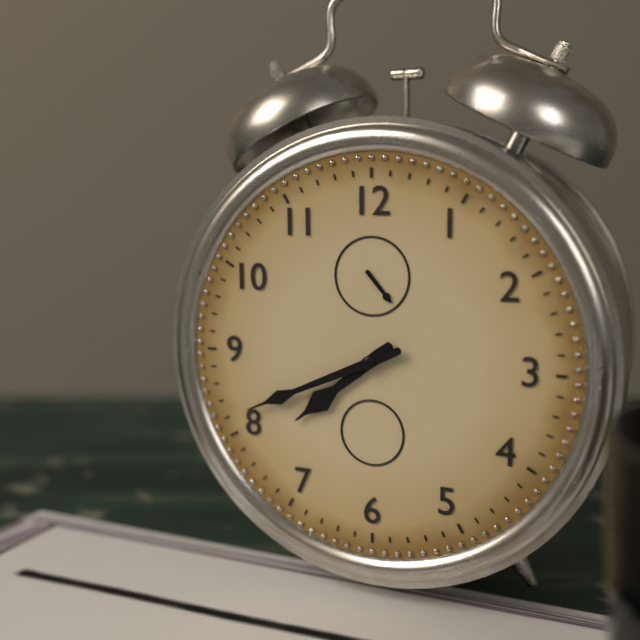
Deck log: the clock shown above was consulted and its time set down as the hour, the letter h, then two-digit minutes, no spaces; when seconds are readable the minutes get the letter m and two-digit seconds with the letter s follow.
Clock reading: 7h41
